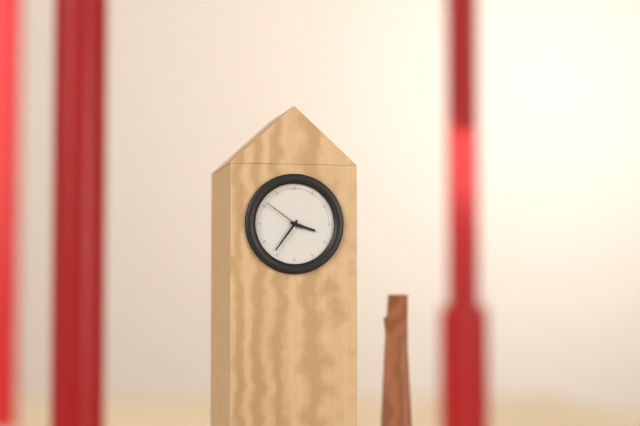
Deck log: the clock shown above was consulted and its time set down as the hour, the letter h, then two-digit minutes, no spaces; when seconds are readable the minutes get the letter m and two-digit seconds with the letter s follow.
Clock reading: 3h36
